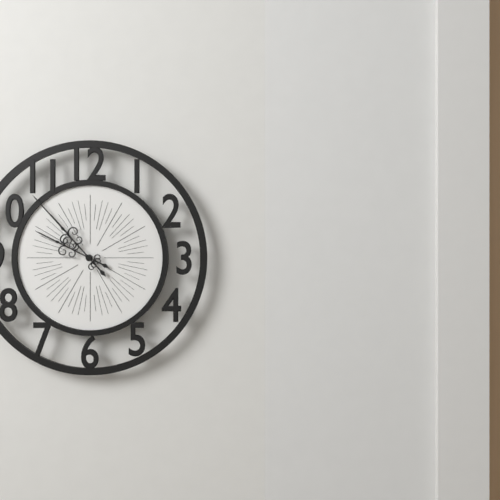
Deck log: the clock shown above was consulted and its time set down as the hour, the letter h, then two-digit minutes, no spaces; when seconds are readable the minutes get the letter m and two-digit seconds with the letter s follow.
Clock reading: 9h53
